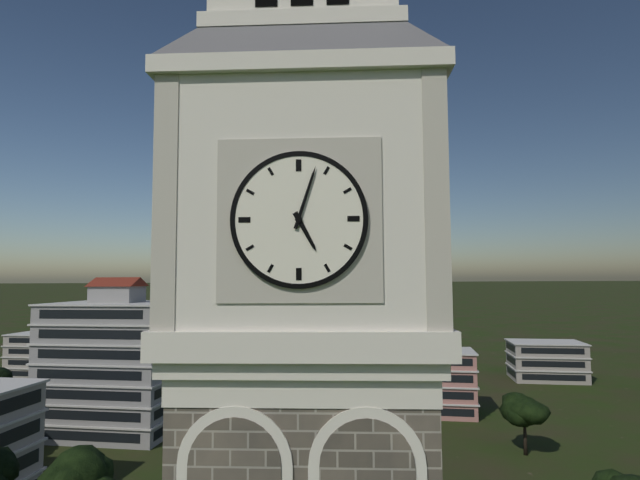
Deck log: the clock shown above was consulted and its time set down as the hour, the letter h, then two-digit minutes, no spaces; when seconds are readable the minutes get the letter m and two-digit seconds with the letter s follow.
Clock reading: 5h03
